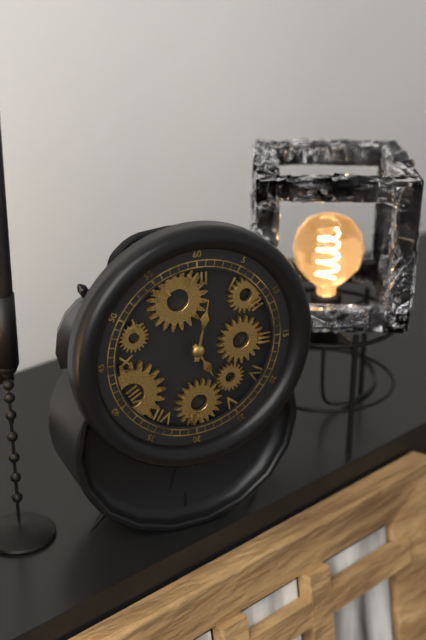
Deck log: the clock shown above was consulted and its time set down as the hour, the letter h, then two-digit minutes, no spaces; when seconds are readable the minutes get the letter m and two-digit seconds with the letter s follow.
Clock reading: 5h02
